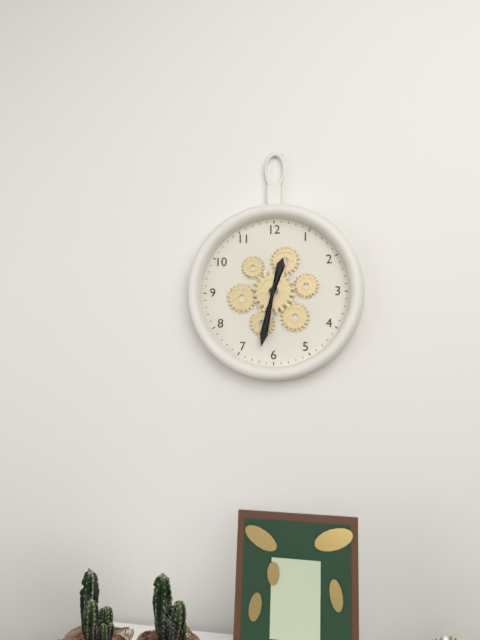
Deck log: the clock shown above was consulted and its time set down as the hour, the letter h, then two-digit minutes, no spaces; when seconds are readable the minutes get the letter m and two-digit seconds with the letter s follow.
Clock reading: 12h32
